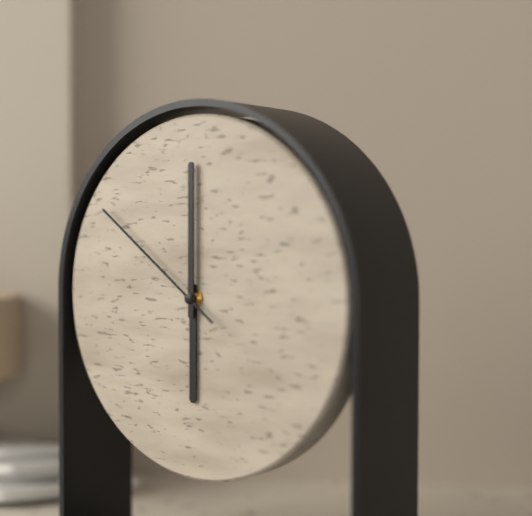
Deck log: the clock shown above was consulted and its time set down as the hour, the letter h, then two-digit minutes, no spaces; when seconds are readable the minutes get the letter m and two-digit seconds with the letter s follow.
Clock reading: 6h00m51s
